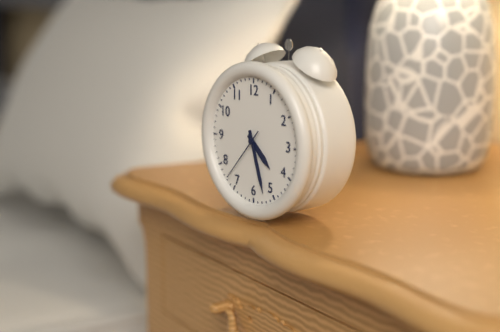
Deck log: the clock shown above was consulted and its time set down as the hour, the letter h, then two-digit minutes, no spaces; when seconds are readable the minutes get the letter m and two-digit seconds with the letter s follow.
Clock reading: 4h27m37s
